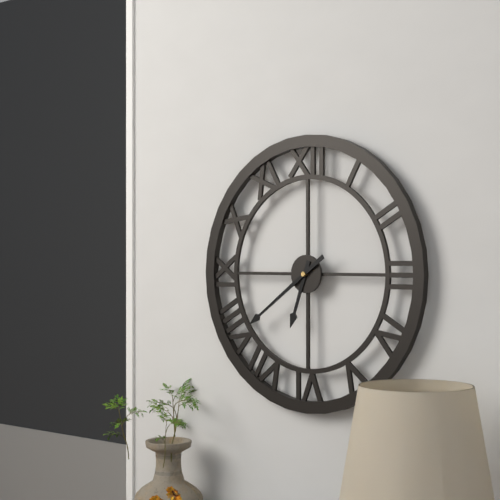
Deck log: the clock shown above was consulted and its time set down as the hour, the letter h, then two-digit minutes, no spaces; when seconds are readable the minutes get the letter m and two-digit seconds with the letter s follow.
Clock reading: 6h39
